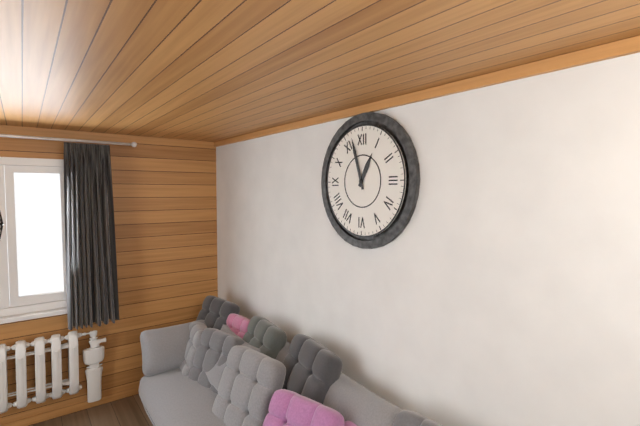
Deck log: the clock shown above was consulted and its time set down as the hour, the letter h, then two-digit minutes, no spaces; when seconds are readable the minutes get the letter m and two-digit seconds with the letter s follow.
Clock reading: 12h57
